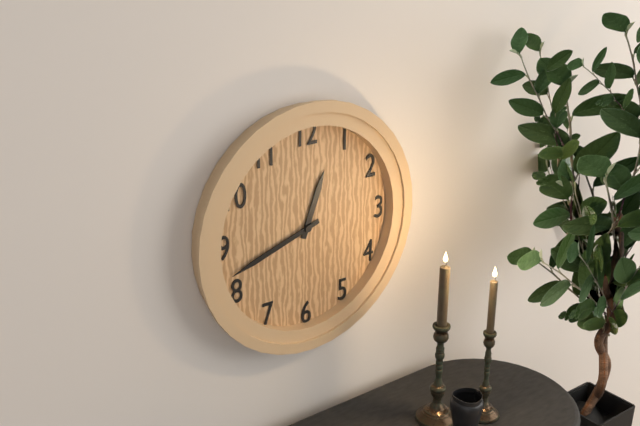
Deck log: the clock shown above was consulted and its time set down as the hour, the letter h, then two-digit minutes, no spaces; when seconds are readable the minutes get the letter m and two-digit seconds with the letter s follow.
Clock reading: 12h42
